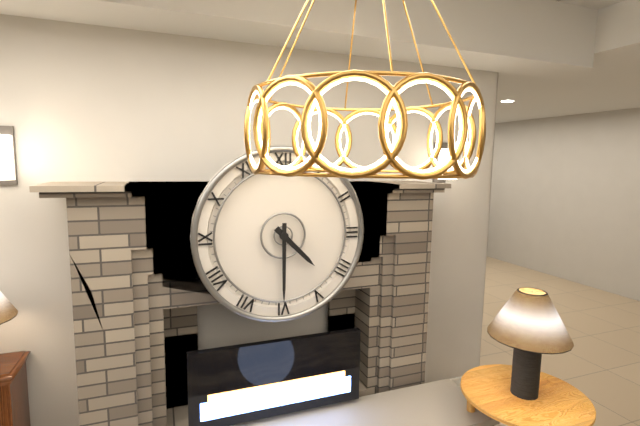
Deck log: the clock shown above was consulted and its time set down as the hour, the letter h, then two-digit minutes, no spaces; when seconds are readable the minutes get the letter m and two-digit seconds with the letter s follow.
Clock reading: 4h30
